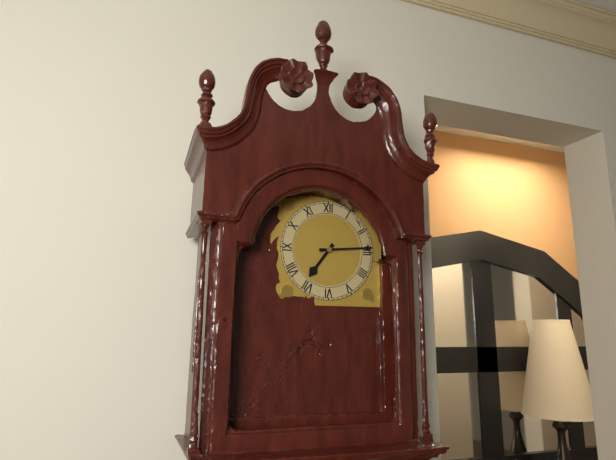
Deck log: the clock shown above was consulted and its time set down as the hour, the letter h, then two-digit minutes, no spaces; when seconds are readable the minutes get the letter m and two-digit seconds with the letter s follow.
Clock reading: 7h14
